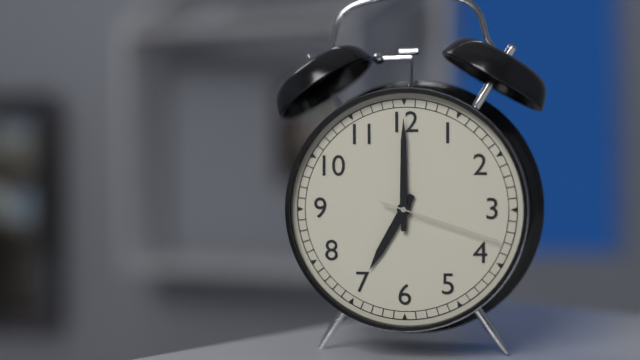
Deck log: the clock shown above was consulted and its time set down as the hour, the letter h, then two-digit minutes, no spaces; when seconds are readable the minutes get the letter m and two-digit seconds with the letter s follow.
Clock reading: 7h00m18s
